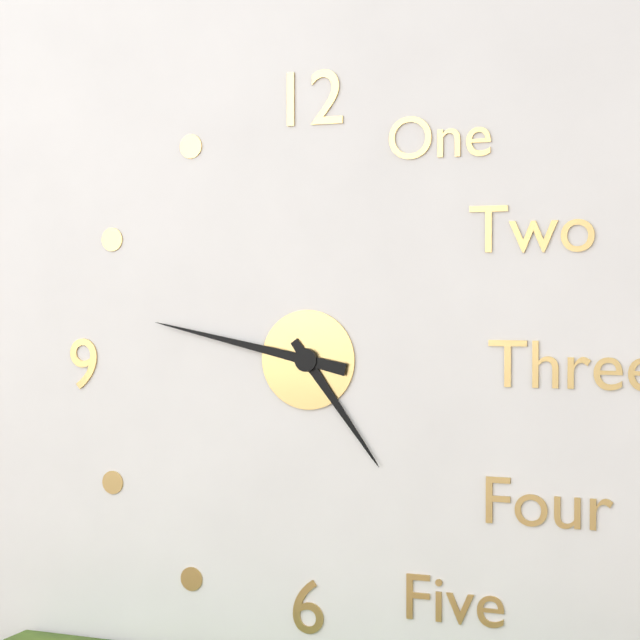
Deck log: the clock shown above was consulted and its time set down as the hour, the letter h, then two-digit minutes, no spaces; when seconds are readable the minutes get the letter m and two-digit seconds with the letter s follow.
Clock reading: 4h47
